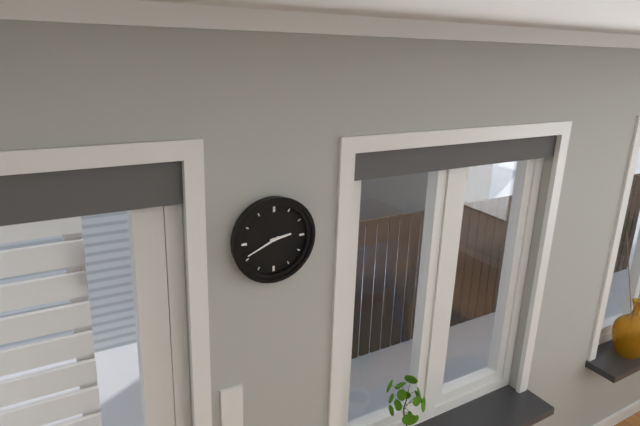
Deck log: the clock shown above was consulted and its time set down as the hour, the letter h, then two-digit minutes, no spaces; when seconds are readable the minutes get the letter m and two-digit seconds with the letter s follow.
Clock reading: 2h41
